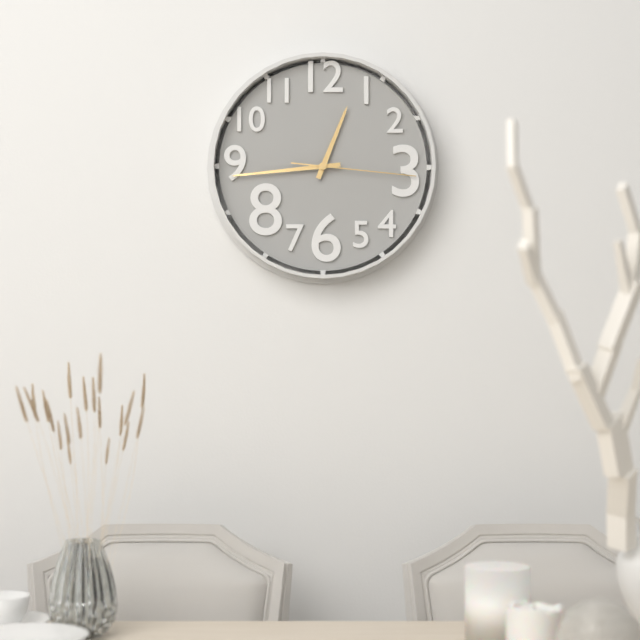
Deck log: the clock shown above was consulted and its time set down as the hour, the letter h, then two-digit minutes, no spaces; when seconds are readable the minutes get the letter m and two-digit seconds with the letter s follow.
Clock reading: 12h44m16s
